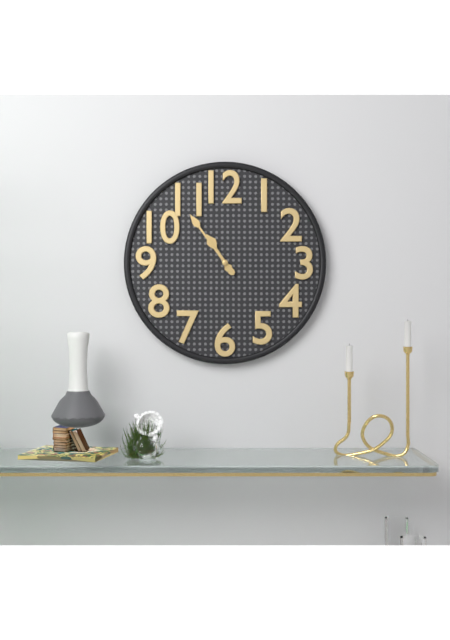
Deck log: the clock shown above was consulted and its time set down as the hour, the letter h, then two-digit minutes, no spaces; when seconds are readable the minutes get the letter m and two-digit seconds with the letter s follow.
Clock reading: 10h54
